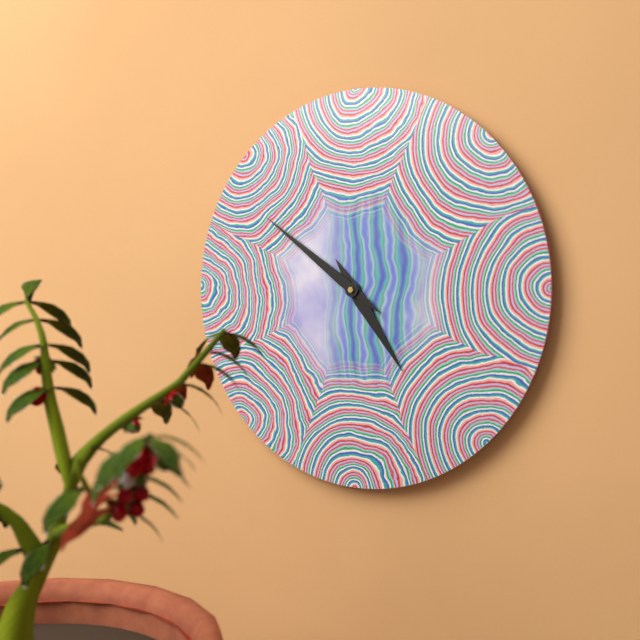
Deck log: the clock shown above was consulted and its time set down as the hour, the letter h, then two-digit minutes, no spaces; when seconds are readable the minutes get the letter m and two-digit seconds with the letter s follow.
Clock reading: 4h51
